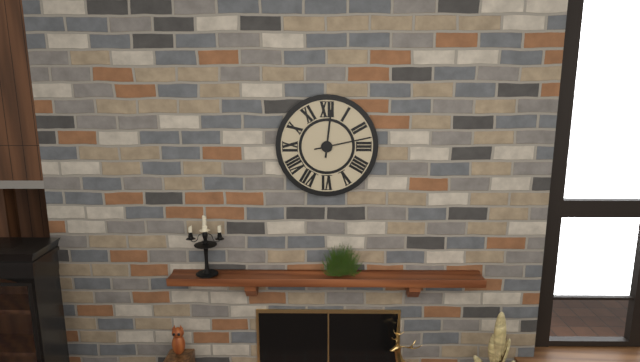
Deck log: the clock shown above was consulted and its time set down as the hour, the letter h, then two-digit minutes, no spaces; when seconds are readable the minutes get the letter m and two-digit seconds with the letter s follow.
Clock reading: 12h13
